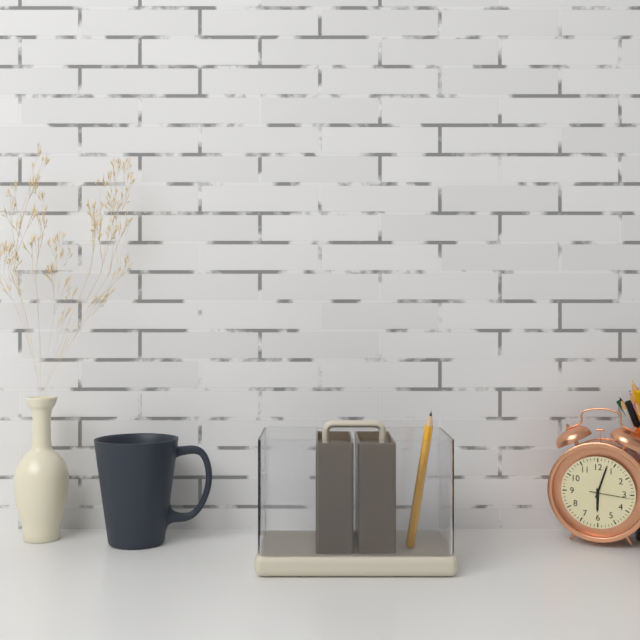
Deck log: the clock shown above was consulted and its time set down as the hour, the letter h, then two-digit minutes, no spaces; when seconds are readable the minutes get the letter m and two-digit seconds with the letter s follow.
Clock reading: 6h03
